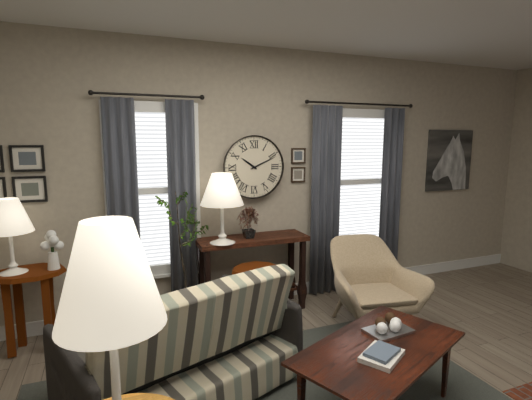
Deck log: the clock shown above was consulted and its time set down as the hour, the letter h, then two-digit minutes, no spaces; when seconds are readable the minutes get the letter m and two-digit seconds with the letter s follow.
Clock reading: 10h11
